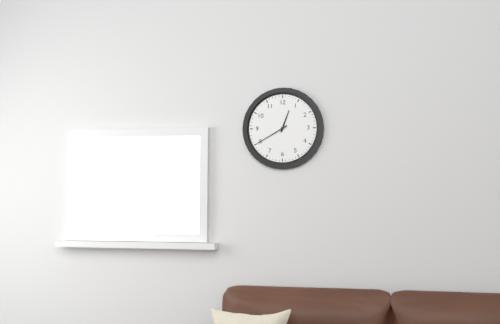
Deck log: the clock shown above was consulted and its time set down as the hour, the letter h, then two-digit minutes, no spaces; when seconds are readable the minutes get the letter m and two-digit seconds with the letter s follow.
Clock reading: 12h40
